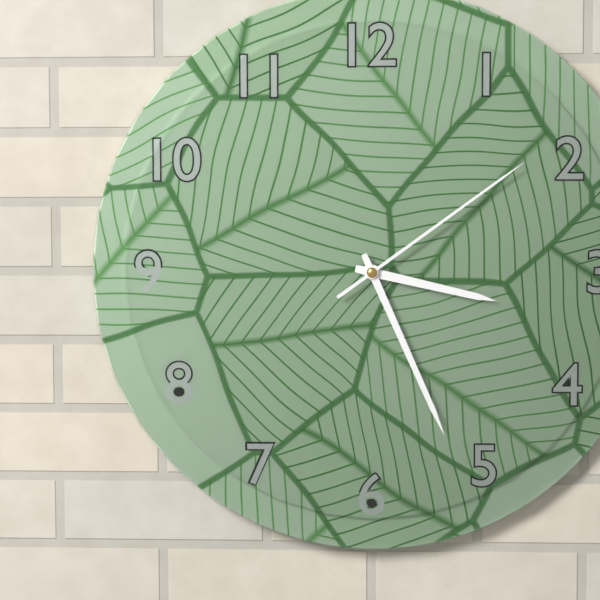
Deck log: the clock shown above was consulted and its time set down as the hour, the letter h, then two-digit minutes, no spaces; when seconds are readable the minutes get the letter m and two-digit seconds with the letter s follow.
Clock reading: 3h26m09s
